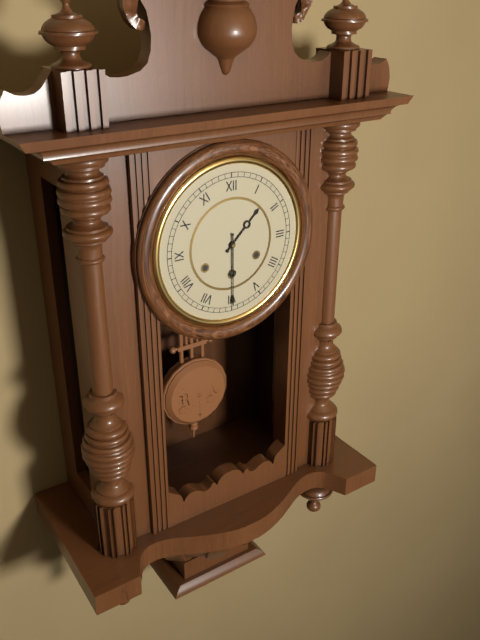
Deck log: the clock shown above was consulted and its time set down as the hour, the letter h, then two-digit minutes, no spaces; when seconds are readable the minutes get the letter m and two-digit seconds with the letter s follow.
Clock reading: 1h30
